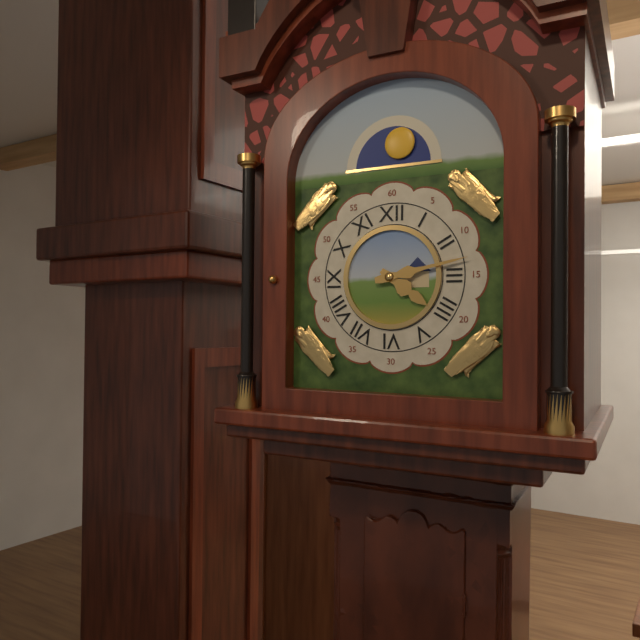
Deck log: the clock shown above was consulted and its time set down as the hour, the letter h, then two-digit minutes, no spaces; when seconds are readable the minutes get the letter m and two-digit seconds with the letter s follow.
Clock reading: 4h13
